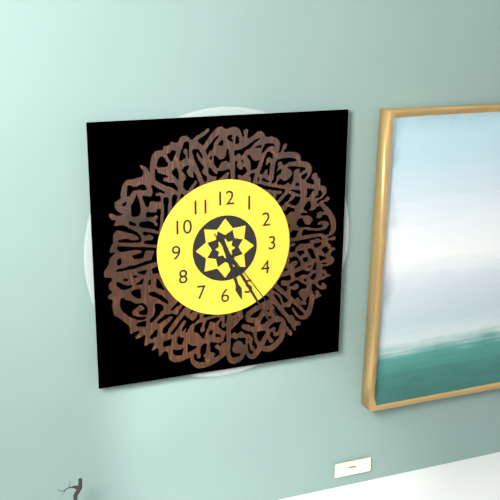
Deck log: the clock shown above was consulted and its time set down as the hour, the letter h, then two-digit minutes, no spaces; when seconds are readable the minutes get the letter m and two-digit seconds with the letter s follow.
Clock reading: 5h25m24s
